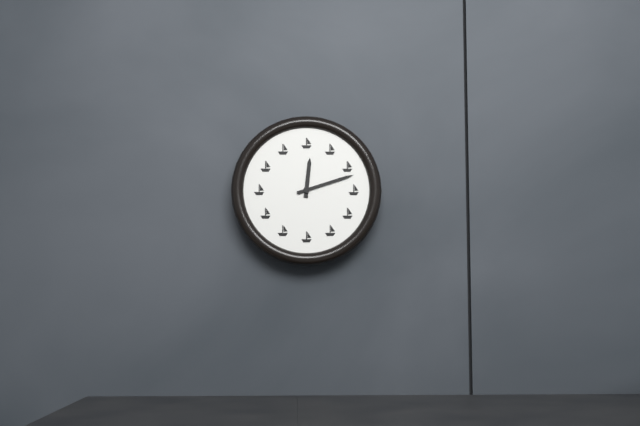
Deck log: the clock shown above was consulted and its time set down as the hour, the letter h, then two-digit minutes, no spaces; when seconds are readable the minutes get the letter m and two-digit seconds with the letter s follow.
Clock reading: 12h12
